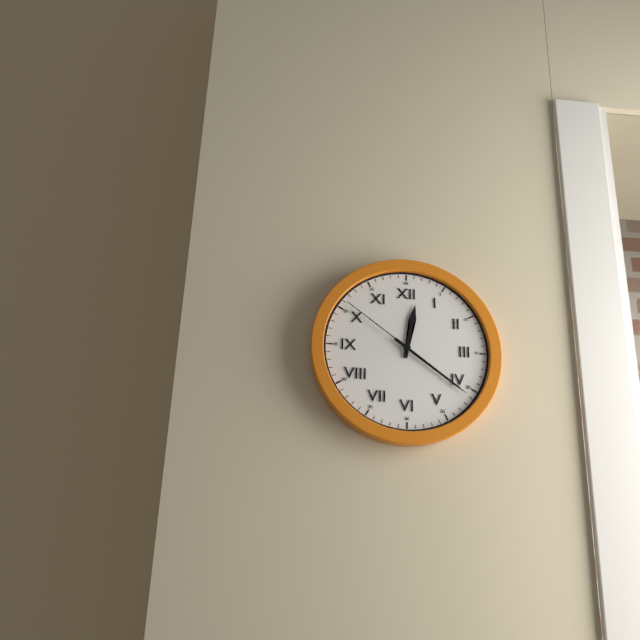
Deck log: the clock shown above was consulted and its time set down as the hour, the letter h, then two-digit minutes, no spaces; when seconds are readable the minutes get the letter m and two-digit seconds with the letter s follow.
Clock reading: 12h21m51s
